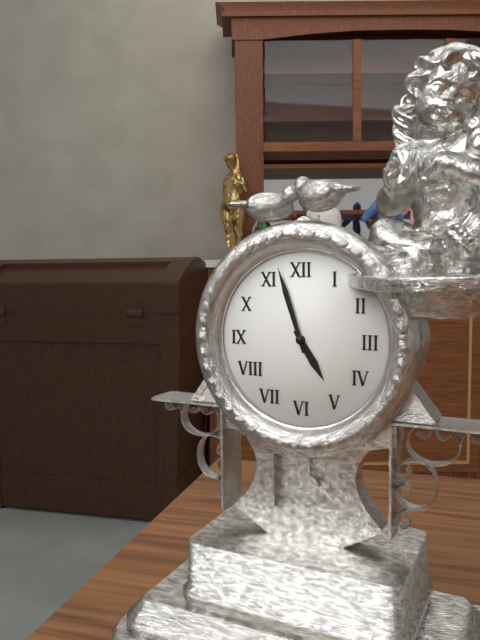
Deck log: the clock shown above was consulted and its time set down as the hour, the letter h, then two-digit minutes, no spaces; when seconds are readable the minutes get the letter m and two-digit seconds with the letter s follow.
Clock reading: 4h57
